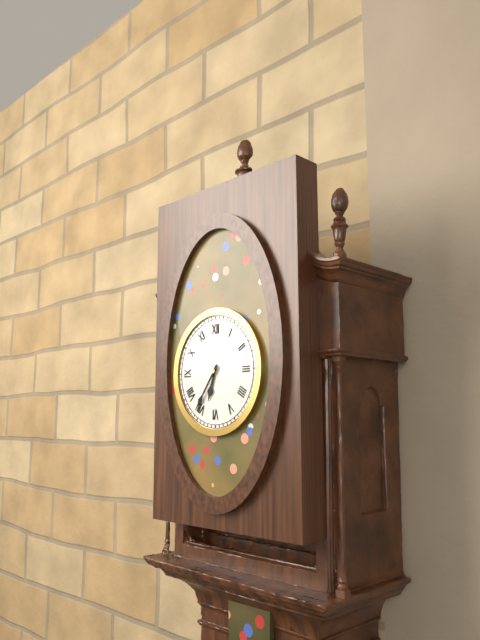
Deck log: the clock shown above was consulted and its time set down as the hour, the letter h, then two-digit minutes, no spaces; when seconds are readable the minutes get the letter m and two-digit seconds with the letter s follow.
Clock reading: 6h36
